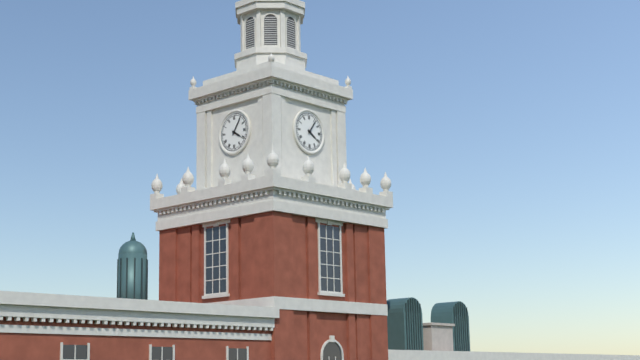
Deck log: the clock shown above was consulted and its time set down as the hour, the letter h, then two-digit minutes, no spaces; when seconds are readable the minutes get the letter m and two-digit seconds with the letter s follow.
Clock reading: 4h06
